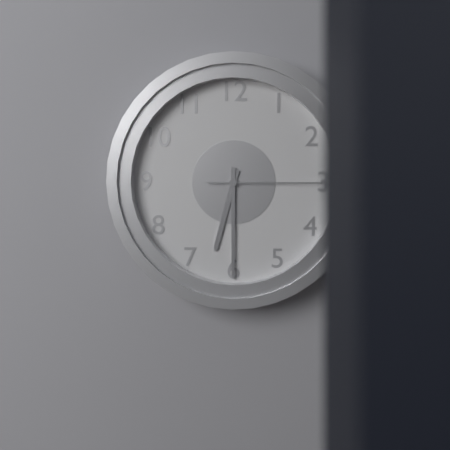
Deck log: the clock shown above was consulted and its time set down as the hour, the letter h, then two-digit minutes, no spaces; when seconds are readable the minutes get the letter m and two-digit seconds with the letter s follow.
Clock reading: 6h30m15s
